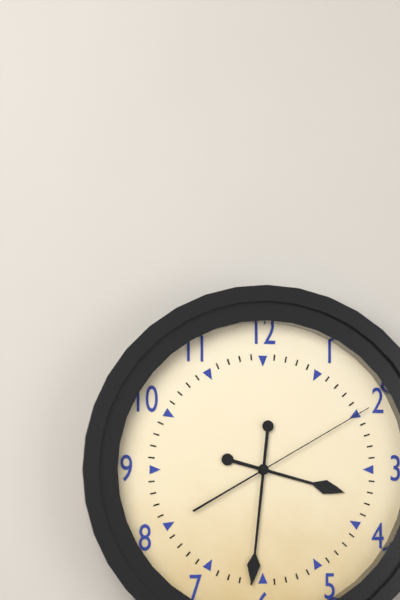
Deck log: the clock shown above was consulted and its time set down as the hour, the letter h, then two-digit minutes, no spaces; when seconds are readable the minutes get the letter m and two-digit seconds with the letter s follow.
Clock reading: 3h31m10s
